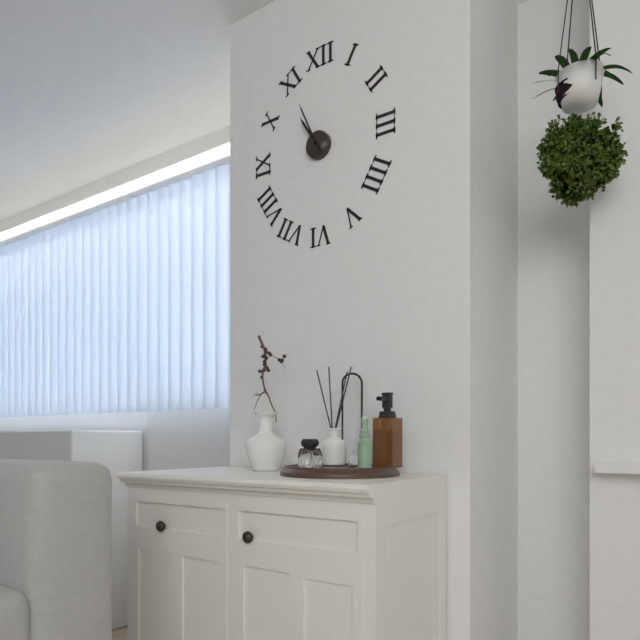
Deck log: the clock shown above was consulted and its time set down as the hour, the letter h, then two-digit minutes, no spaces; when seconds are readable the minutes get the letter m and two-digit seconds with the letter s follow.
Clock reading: 10h56
